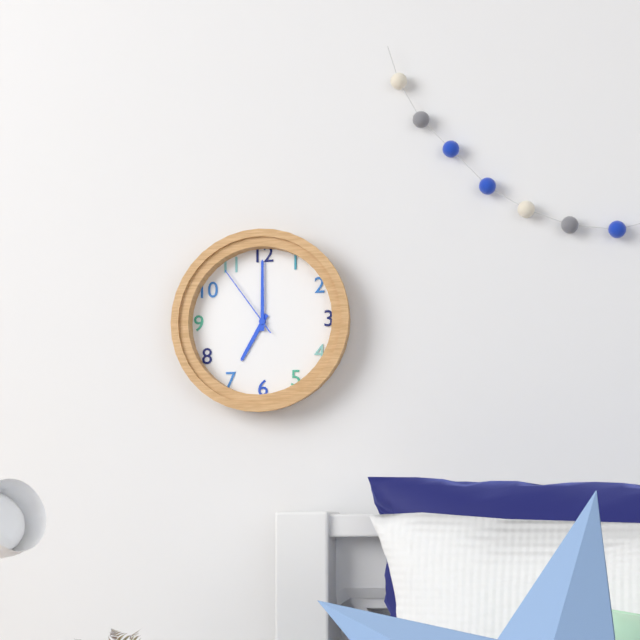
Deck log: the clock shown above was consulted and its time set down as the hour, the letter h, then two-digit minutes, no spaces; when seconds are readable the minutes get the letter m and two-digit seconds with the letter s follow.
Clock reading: 7h00m54s
